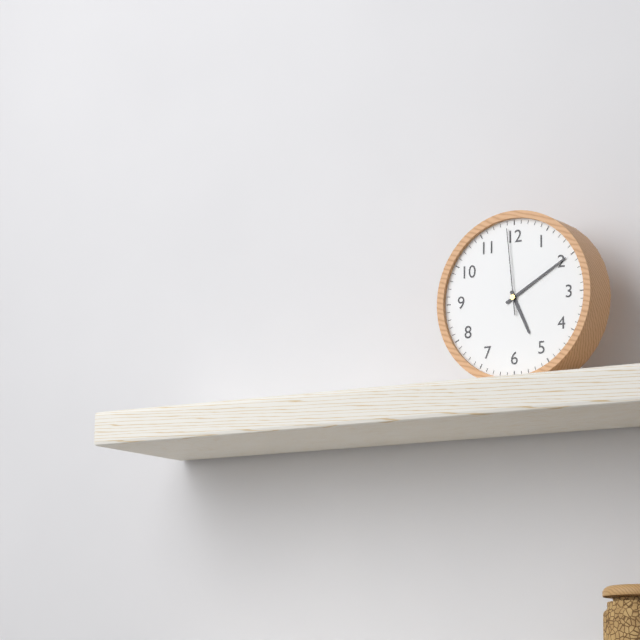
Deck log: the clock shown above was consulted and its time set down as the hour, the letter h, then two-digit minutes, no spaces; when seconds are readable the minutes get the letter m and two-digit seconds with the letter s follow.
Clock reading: 5h10m59s
